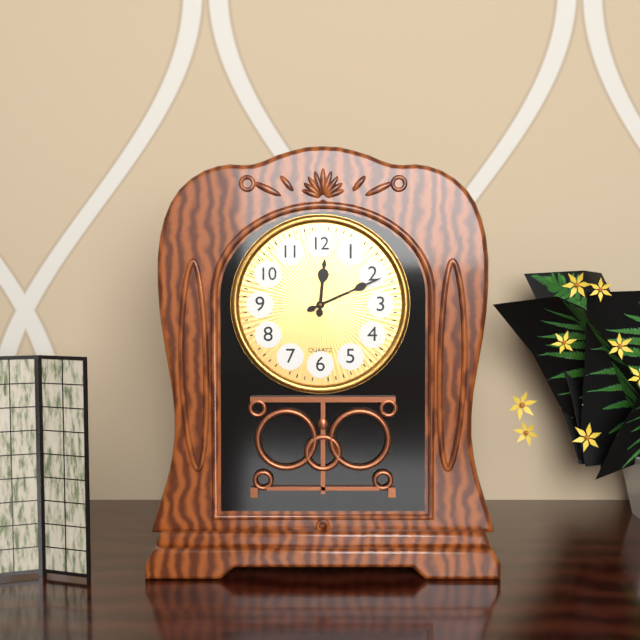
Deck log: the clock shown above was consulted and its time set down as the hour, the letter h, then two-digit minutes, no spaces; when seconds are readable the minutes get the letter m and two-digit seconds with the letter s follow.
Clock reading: 12h11
